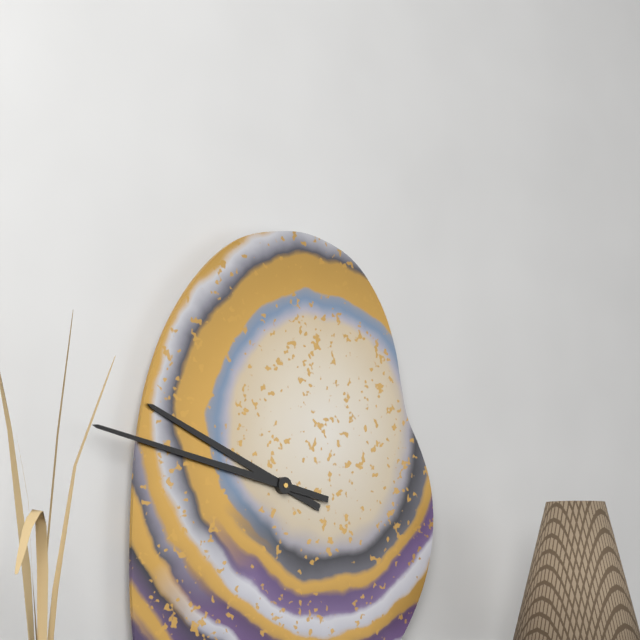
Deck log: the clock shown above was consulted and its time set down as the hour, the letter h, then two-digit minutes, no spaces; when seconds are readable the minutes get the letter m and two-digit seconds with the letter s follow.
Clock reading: 9h47
